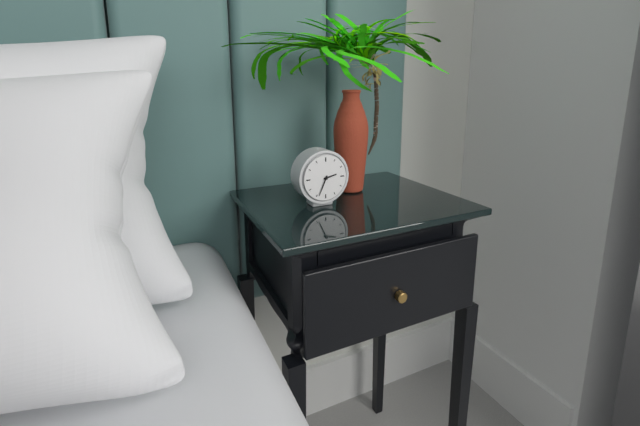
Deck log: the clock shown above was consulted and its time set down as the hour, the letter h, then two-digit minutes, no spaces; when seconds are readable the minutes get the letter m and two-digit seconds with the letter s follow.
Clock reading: 2h34
